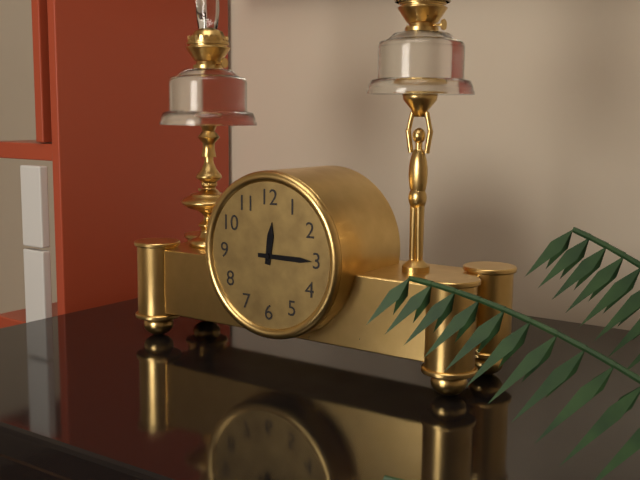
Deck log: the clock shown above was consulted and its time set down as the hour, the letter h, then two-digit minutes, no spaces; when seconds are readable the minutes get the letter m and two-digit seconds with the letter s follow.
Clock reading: 12h15
